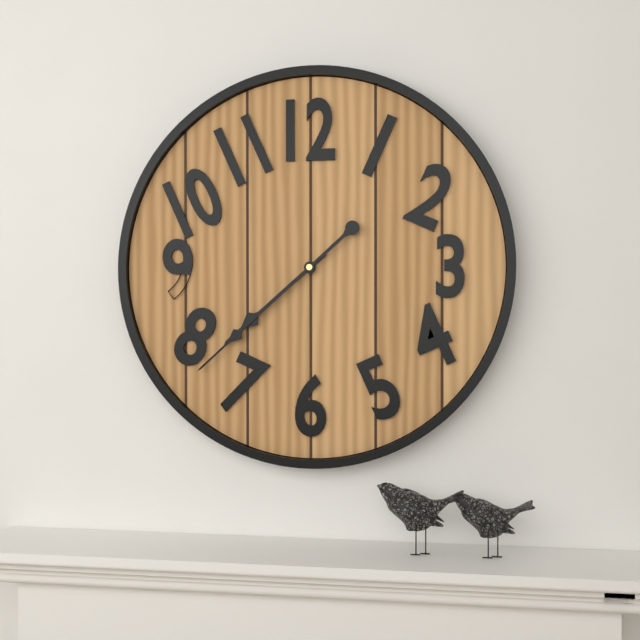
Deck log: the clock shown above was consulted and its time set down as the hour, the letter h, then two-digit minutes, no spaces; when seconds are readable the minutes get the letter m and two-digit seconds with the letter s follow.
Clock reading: 7h38
